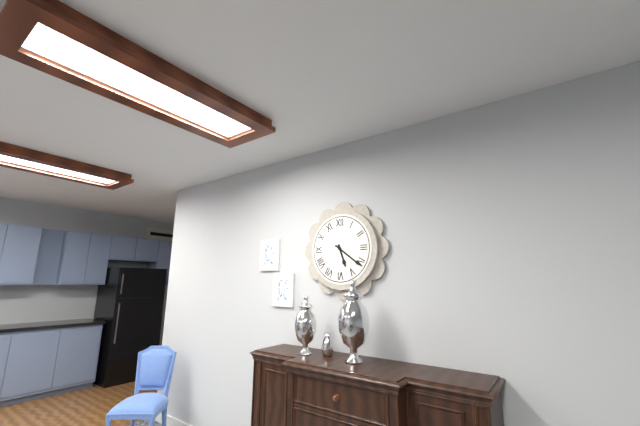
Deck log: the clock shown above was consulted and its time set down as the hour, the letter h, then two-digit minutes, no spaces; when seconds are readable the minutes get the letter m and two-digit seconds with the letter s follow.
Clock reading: 5h21
